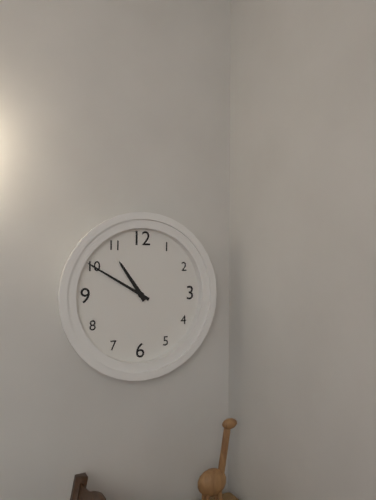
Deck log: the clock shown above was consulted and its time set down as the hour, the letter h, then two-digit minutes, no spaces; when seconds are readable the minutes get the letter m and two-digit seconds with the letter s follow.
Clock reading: 10h50
